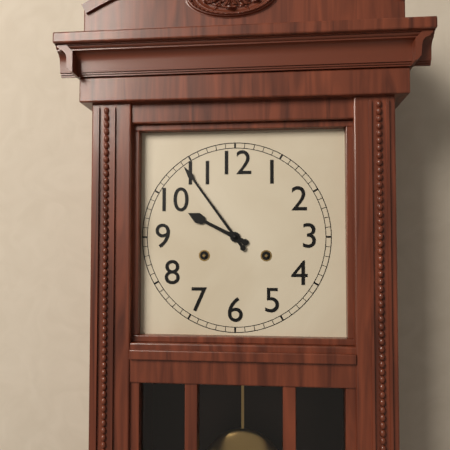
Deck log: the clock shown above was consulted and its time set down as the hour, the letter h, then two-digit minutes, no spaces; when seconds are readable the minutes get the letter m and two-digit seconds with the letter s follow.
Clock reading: 9h54
